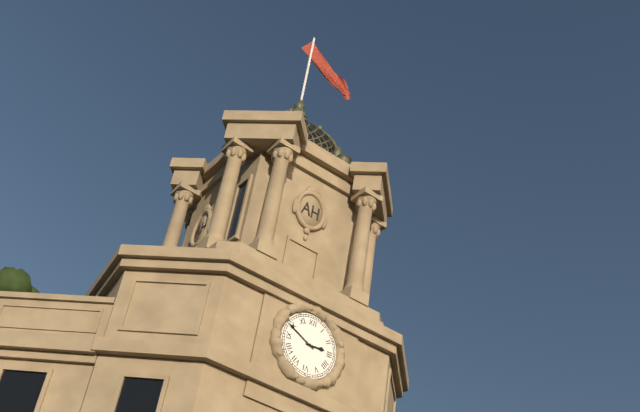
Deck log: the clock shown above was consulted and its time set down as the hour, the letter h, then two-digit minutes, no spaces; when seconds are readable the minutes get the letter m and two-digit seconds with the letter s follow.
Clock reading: 2h49
